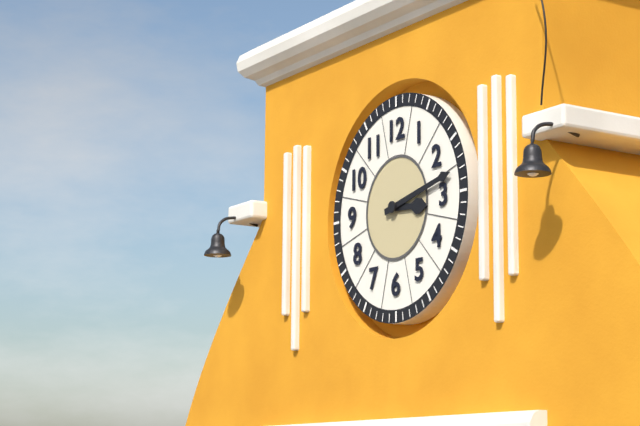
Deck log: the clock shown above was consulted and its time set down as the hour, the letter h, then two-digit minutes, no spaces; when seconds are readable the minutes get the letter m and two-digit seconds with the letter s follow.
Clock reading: 3h13
